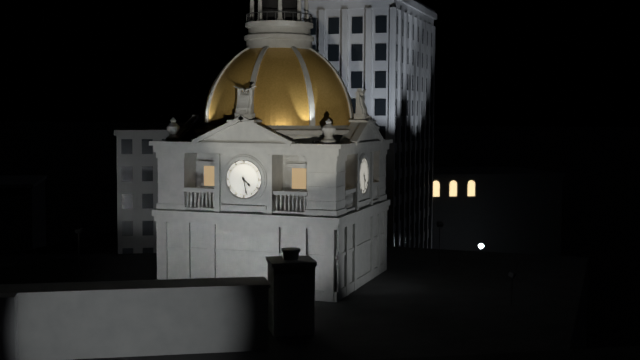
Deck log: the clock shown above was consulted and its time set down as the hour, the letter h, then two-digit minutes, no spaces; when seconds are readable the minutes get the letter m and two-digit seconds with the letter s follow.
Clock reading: 4h28
